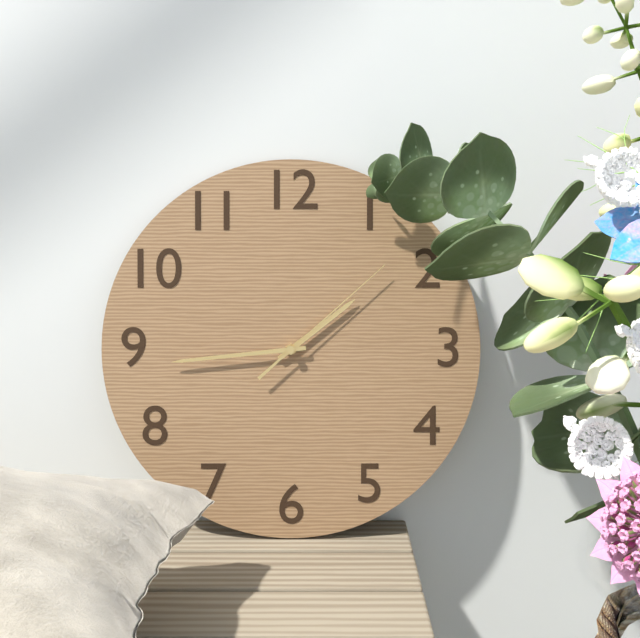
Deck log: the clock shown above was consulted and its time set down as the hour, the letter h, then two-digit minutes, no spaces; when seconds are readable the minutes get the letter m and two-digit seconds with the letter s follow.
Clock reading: 1h44m08s
